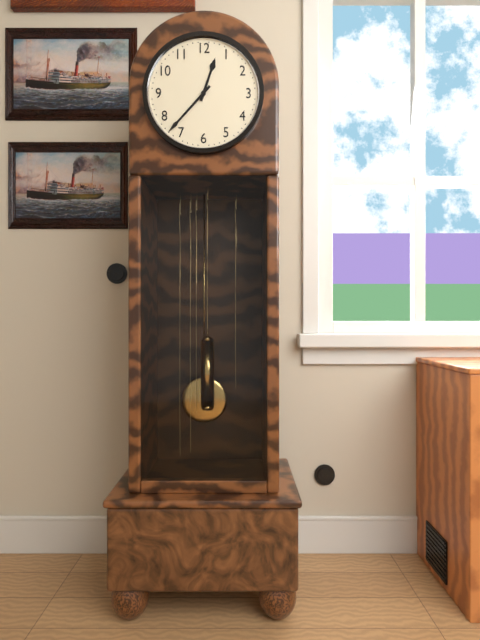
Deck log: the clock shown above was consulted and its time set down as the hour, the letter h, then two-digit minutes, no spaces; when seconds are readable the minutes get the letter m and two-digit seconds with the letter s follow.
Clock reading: 12h37
